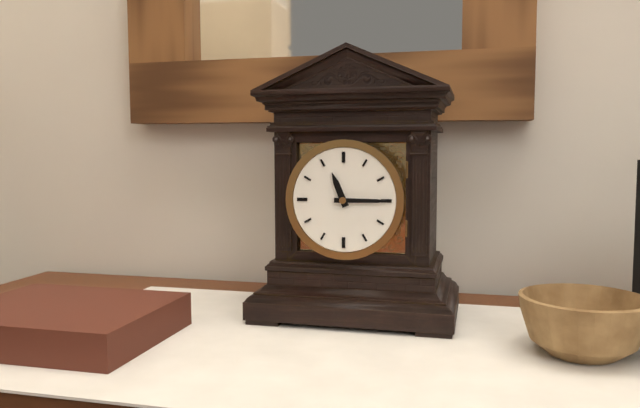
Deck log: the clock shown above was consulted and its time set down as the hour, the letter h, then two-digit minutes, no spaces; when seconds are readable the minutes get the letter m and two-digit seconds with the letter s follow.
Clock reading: 11h15
